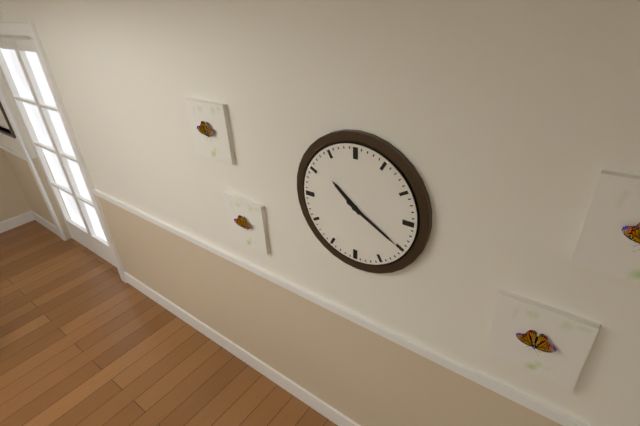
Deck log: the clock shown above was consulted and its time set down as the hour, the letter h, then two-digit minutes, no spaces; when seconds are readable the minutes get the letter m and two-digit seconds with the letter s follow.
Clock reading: 10h20
